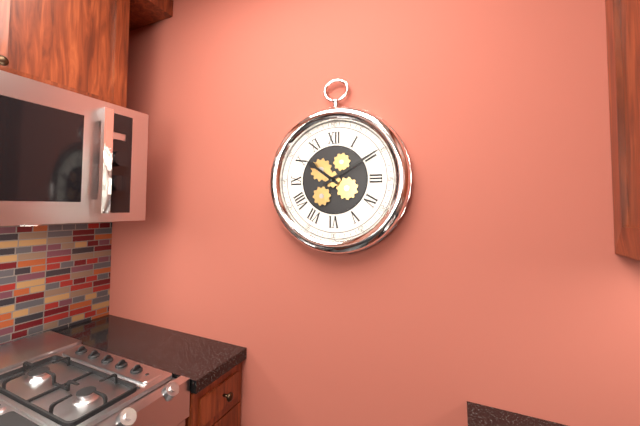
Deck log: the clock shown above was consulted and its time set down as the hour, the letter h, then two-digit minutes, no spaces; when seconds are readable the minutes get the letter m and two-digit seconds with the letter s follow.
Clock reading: 10h10
